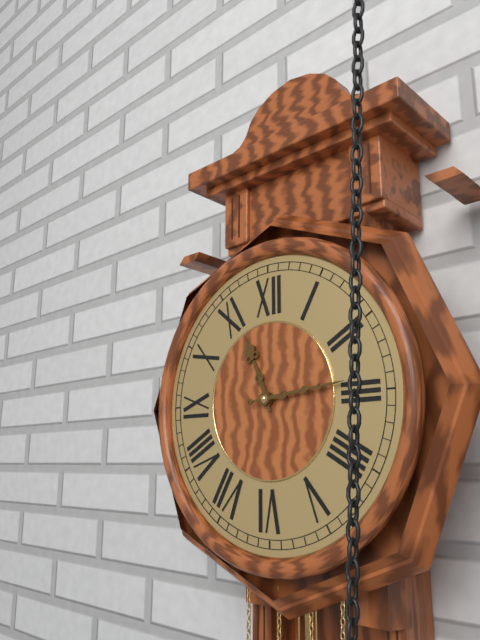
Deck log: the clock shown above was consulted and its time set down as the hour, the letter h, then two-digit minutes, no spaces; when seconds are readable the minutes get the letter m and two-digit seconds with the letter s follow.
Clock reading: 11h14
